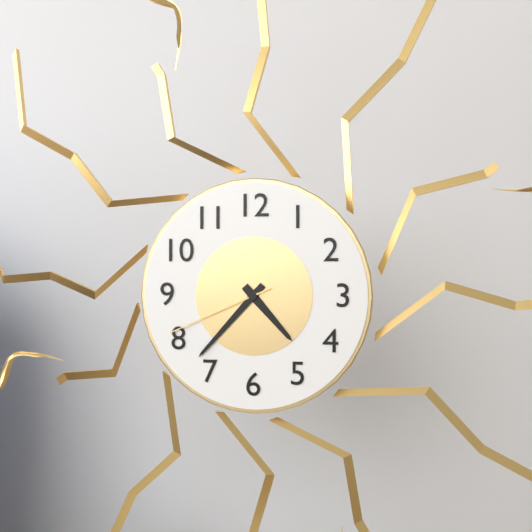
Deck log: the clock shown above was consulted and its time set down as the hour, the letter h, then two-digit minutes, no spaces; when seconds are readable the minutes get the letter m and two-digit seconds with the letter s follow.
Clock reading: 4h37m41s
